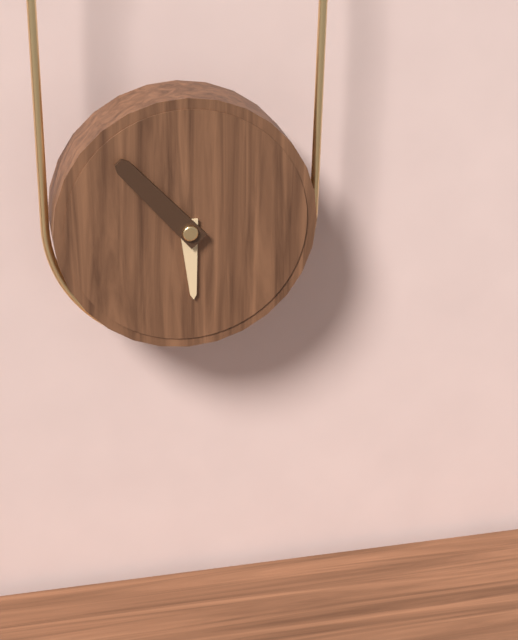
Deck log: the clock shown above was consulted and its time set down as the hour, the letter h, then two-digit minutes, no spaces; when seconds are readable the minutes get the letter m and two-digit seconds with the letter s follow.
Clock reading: 5h53
